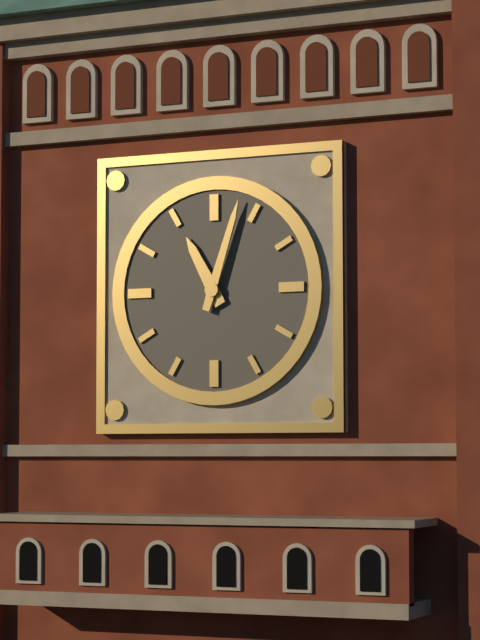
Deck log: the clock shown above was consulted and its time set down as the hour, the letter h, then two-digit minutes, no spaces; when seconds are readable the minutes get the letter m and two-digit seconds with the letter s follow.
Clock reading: 11h03
